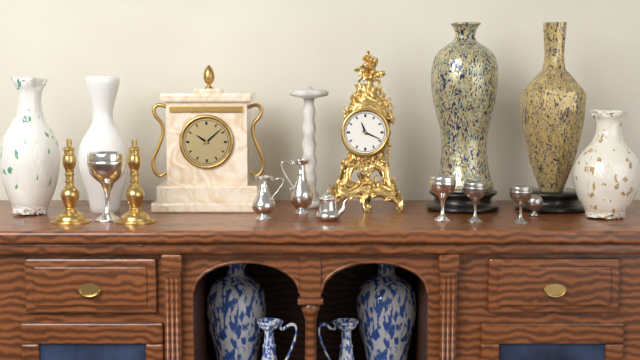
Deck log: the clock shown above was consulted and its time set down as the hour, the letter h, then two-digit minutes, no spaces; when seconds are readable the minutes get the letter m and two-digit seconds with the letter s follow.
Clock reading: 11h19
